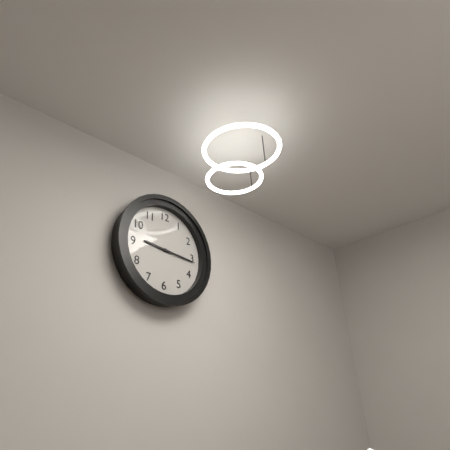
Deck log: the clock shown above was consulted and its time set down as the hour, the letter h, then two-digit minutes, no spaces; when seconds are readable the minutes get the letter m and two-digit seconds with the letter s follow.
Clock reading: 9h16
